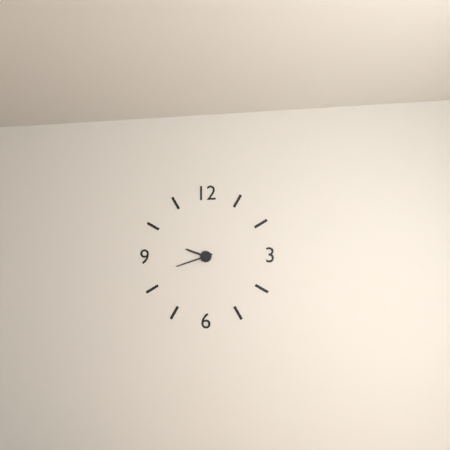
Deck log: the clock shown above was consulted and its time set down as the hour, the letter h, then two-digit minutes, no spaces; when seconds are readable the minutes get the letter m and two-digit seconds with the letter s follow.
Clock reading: 9h42
